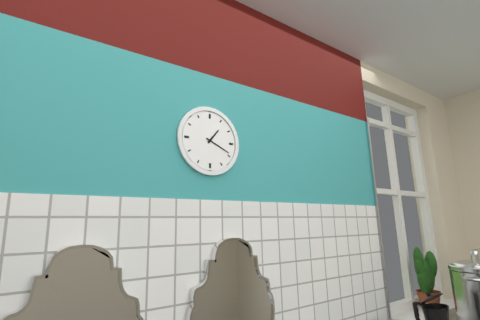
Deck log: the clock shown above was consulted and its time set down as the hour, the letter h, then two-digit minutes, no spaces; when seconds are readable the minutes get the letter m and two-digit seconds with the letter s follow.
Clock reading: 1h19
